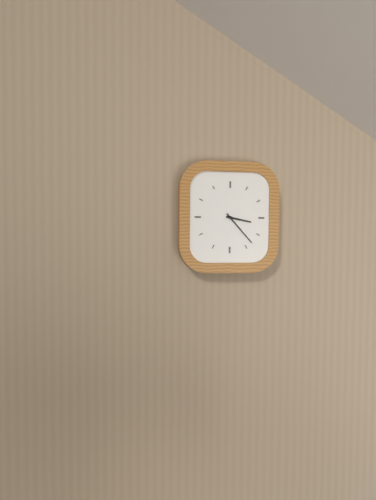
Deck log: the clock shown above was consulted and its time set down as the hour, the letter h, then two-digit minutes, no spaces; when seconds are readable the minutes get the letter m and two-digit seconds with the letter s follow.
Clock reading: 3h23
